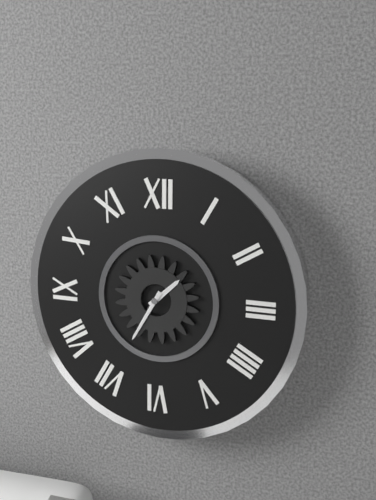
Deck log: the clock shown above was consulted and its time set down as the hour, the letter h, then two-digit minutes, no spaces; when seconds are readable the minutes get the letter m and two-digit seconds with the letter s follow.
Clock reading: 1h35
